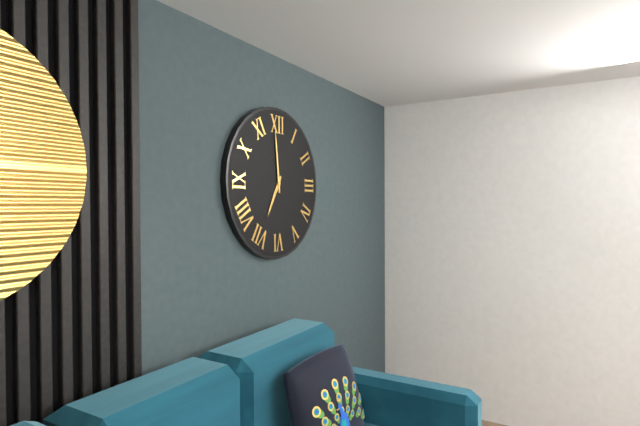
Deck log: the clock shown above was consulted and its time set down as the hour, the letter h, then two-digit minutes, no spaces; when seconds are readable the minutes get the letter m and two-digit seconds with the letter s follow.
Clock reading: 6h59
